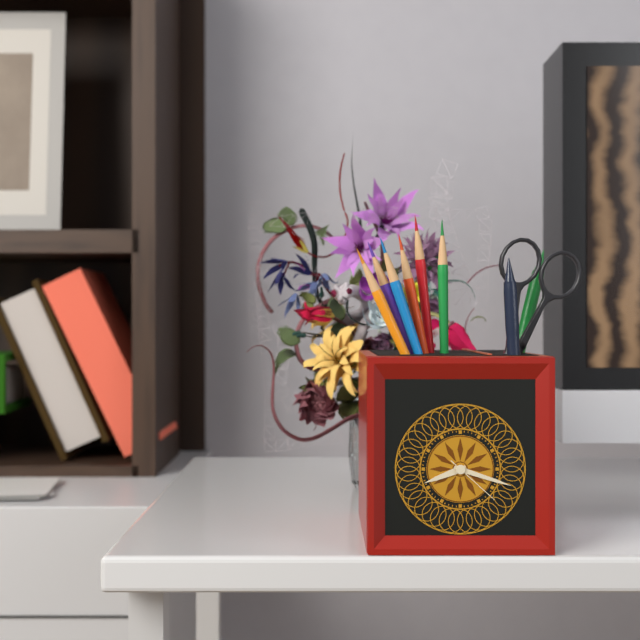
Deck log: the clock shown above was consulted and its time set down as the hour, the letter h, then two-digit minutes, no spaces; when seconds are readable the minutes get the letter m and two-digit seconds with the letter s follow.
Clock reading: 8h18m22s
